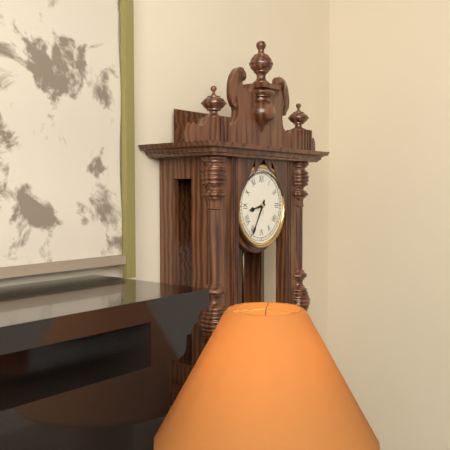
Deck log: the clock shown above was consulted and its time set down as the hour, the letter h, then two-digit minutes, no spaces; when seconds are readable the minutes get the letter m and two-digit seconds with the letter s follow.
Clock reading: 8h35
